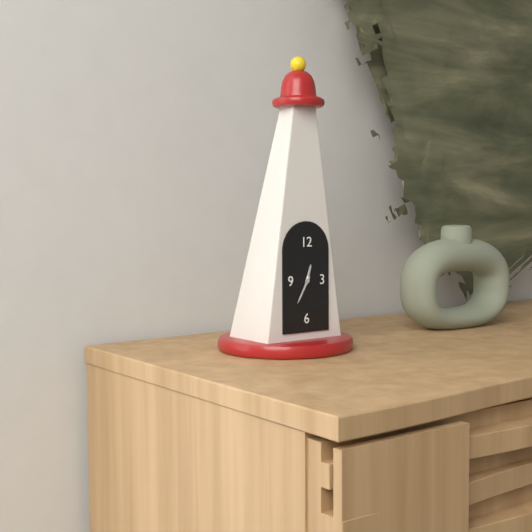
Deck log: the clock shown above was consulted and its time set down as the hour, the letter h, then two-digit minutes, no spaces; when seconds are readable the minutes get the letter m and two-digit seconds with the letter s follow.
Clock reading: 12h35
